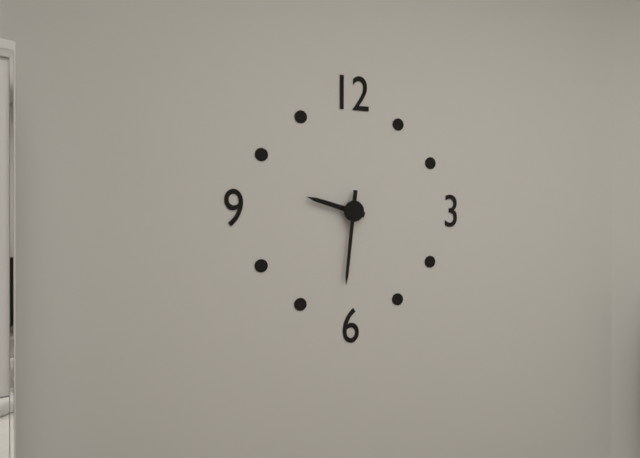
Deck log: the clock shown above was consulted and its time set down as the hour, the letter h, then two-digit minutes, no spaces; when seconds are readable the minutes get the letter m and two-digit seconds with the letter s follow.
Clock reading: 9h31
